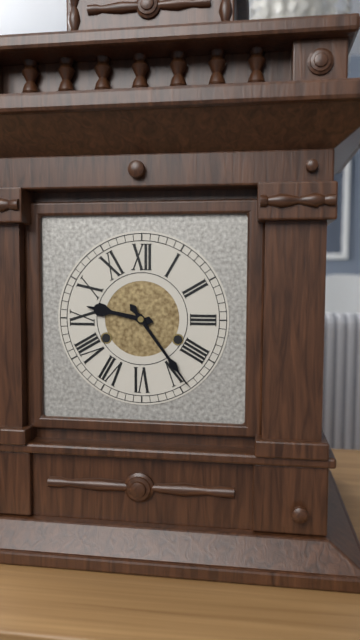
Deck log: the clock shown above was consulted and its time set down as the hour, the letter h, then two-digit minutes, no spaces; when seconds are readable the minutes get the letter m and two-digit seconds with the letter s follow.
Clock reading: 9h24
